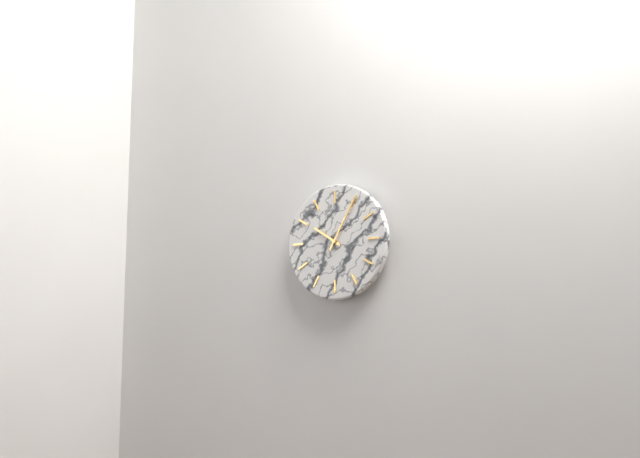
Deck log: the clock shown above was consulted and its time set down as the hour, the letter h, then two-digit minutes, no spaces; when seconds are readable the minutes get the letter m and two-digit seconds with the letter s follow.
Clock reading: 10h05
